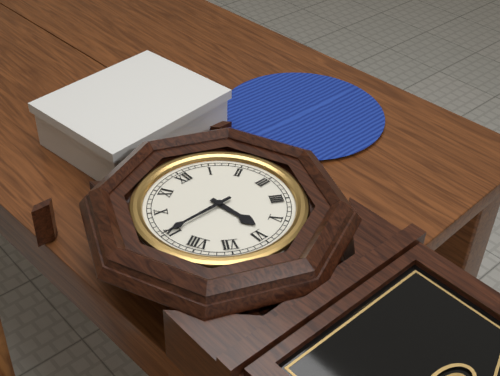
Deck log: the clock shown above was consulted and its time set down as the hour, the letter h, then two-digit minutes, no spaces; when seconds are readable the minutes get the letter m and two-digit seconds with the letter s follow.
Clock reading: 5h45
